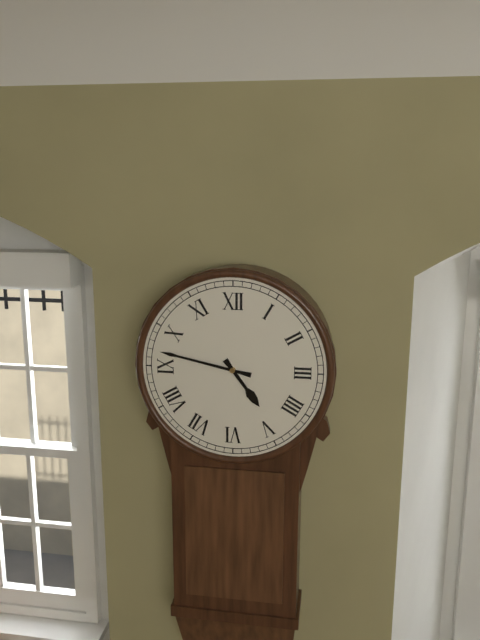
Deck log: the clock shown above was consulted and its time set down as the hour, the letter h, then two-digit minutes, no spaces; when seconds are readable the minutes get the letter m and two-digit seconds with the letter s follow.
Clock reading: 4h47
